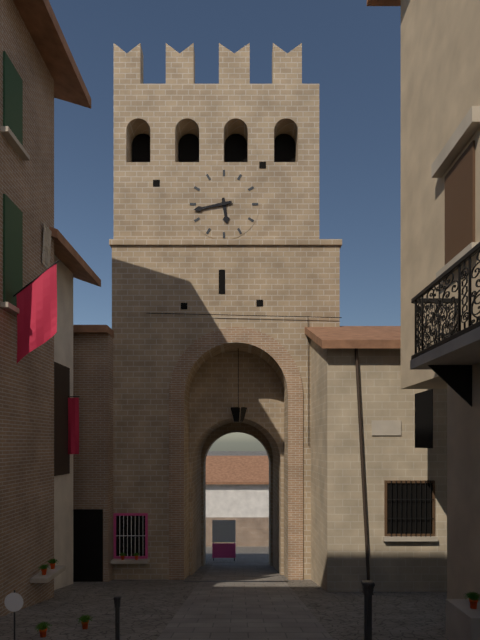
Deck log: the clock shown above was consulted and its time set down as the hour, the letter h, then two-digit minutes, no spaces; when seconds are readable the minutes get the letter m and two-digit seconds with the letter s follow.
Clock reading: 5h43
